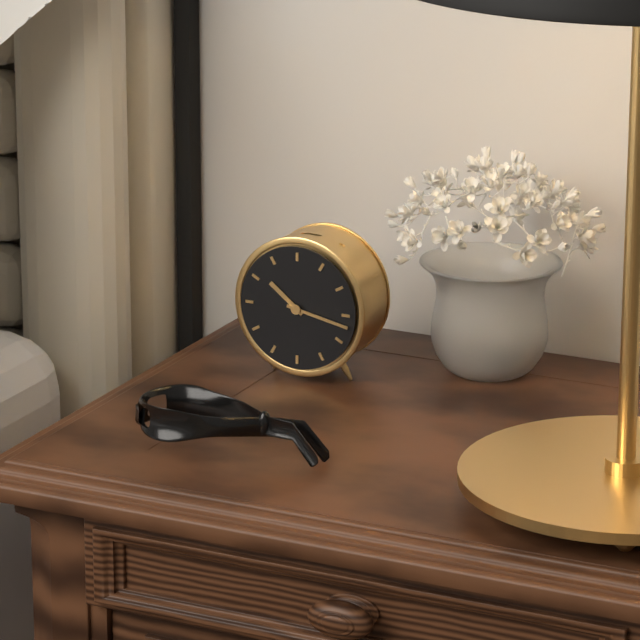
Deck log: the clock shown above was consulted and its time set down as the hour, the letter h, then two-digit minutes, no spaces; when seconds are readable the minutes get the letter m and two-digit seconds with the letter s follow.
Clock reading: 10h17
